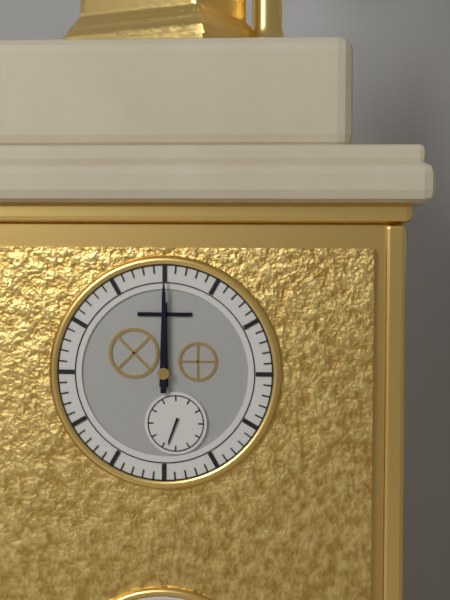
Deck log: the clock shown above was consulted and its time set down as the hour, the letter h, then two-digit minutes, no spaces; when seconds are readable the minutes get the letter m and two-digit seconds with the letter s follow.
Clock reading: 12h00
